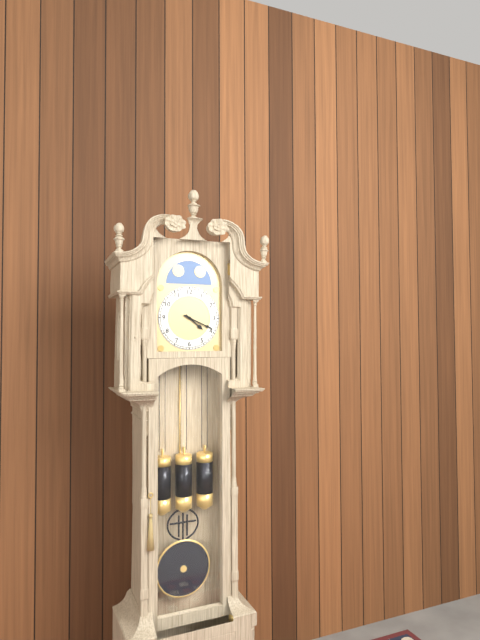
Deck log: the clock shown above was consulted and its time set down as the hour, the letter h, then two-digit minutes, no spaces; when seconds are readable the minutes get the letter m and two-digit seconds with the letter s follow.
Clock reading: 4h19
